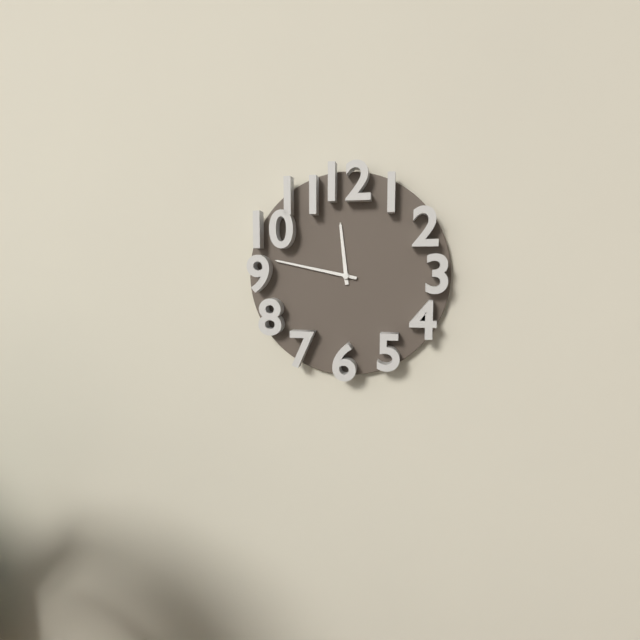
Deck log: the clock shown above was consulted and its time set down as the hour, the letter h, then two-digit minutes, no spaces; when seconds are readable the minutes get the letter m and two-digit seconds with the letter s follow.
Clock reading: 11h47
